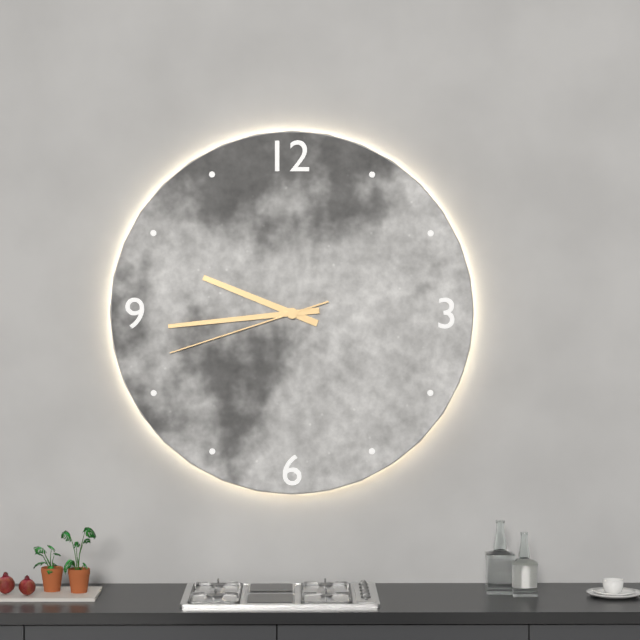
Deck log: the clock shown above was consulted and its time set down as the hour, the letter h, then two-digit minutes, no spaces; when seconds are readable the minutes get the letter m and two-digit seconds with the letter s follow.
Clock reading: 9h44m42s
